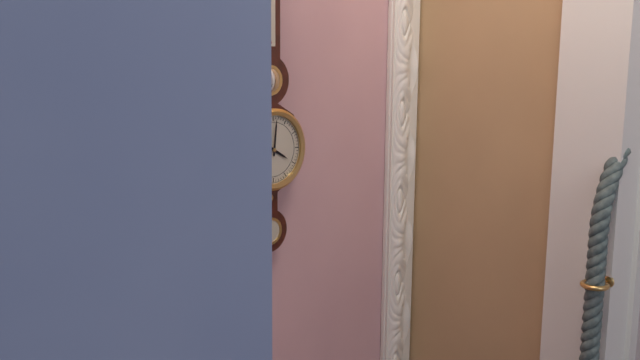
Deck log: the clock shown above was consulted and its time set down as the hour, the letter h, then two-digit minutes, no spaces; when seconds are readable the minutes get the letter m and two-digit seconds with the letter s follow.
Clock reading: 4h01
